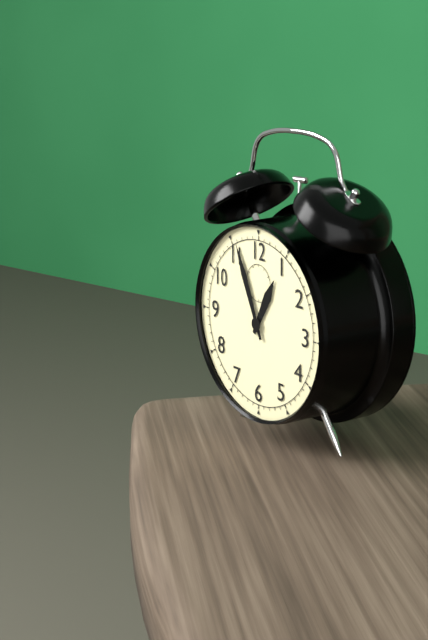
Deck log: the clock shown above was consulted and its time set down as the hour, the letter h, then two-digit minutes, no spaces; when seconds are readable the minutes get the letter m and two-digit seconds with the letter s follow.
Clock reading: 12h56
